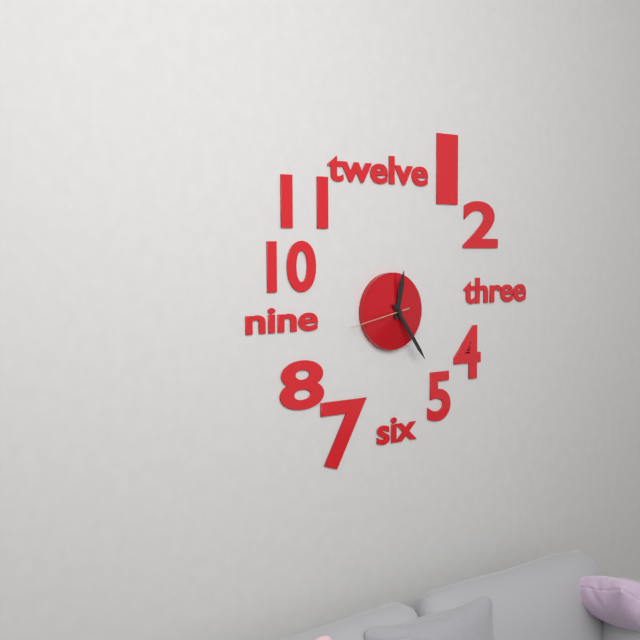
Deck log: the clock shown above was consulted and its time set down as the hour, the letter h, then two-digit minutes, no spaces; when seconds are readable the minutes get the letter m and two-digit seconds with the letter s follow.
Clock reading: 12h24m43s
